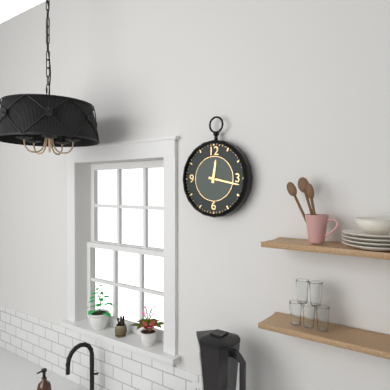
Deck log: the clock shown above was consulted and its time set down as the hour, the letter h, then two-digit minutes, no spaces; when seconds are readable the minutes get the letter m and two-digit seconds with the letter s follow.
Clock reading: 12h17
